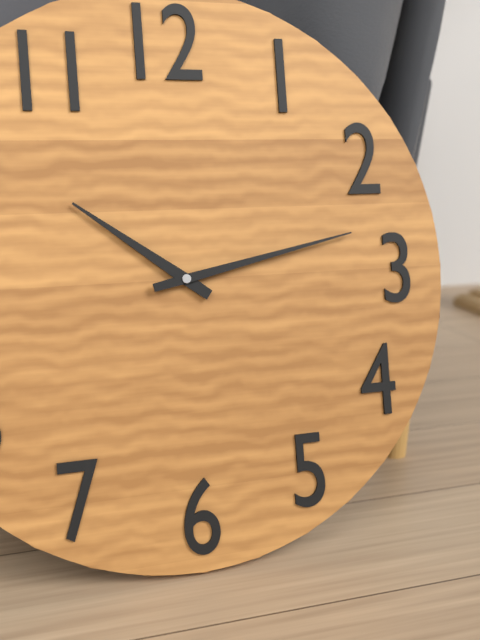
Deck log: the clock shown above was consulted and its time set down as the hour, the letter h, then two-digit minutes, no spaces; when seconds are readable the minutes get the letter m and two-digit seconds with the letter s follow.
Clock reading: 10h13
